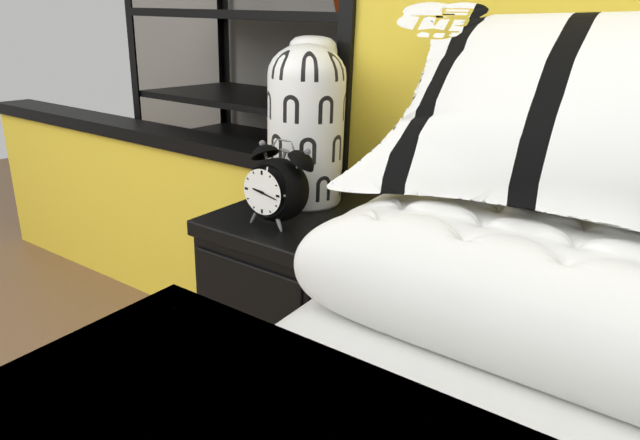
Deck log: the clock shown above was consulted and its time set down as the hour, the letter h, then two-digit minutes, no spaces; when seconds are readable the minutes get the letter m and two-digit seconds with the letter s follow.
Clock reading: 9h17
